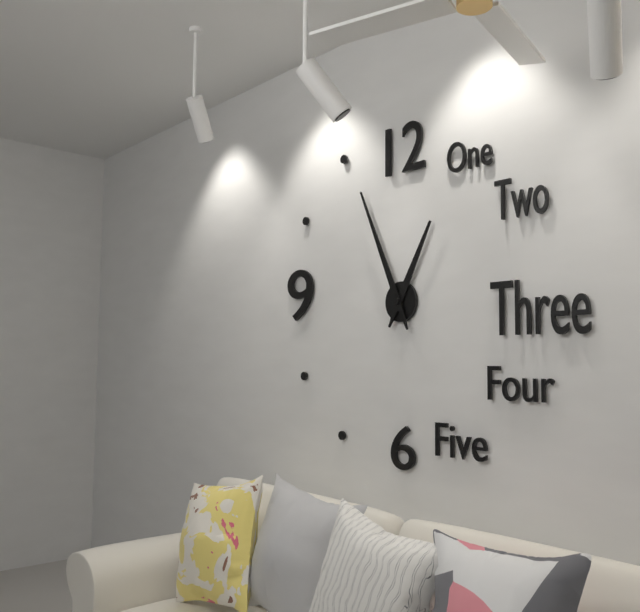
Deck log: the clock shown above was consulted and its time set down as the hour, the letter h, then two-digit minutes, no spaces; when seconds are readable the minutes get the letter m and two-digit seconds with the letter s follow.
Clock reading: 12h56
